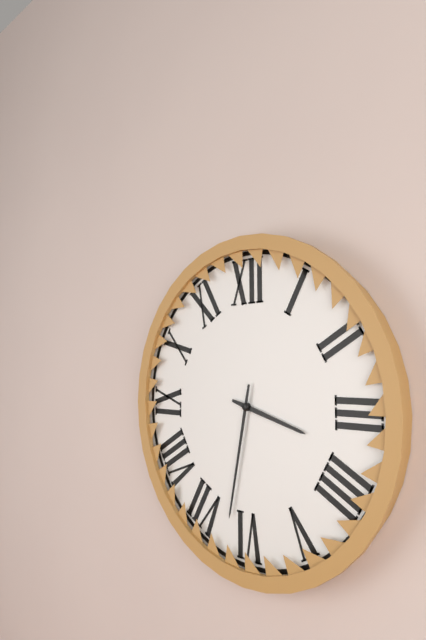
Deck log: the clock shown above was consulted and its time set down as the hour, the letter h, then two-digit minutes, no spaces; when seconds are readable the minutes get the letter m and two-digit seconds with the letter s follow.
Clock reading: 3h32
